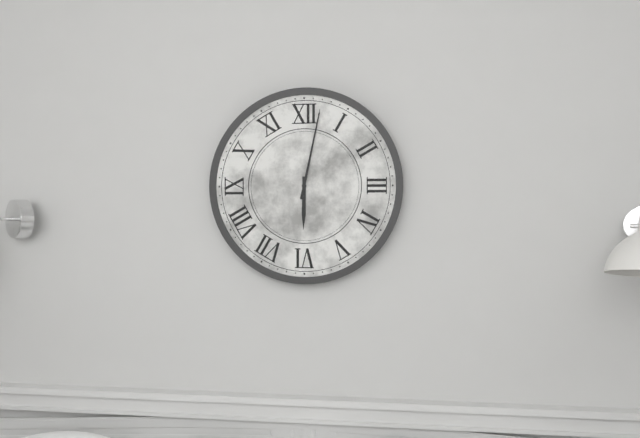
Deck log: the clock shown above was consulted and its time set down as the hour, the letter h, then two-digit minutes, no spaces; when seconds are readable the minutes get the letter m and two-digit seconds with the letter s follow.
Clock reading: 6h02
